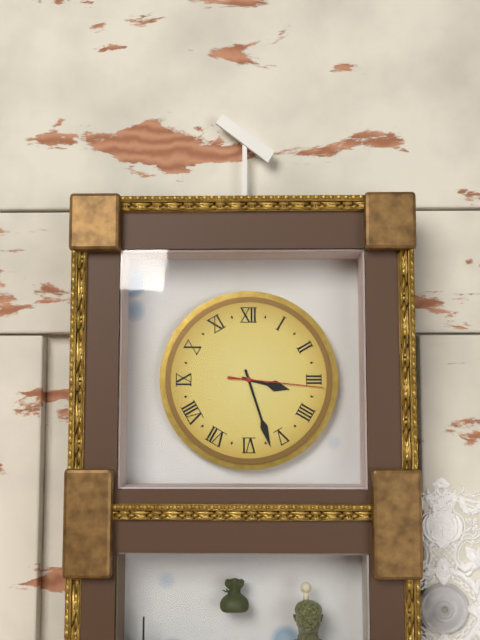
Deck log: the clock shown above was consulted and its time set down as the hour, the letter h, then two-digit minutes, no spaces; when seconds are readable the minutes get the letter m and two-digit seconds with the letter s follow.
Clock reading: 3h27m16s
